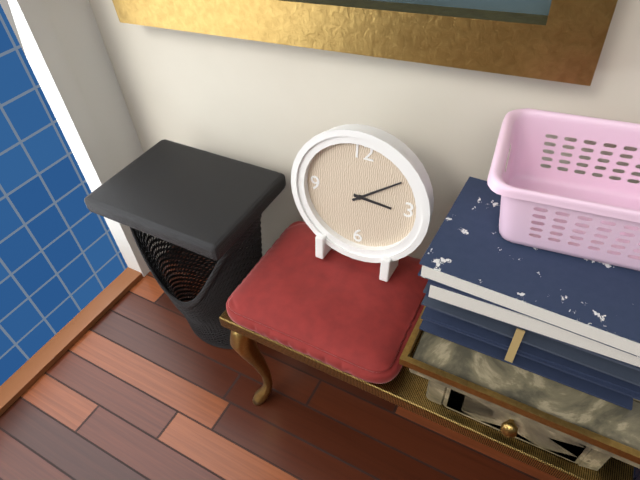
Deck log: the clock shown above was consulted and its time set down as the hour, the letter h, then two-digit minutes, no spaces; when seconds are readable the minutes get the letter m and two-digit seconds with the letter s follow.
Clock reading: 3h09
